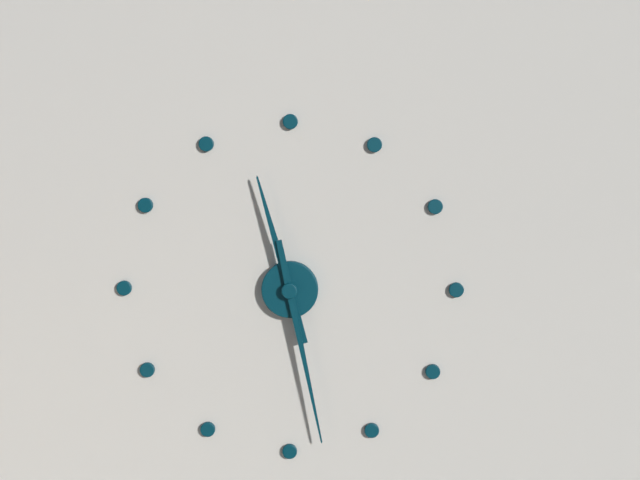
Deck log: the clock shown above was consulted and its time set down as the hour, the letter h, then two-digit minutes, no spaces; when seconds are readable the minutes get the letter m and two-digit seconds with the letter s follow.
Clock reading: 11h28
